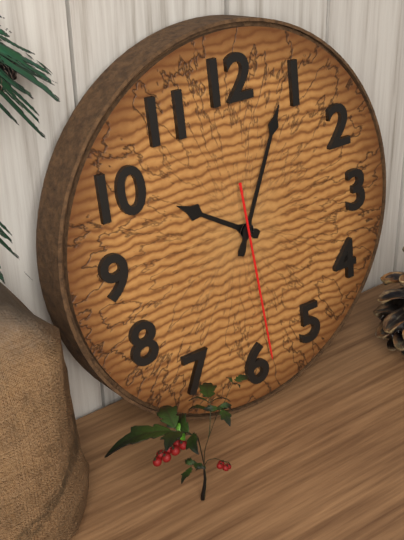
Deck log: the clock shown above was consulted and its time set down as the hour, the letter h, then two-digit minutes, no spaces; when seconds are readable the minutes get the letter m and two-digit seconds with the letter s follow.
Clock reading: 10h04m29s
